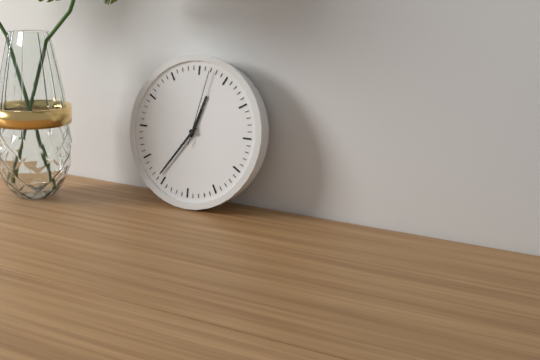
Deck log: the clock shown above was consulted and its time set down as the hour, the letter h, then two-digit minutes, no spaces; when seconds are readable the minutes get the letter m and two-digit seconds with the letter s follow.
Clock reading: 12h36m02s
